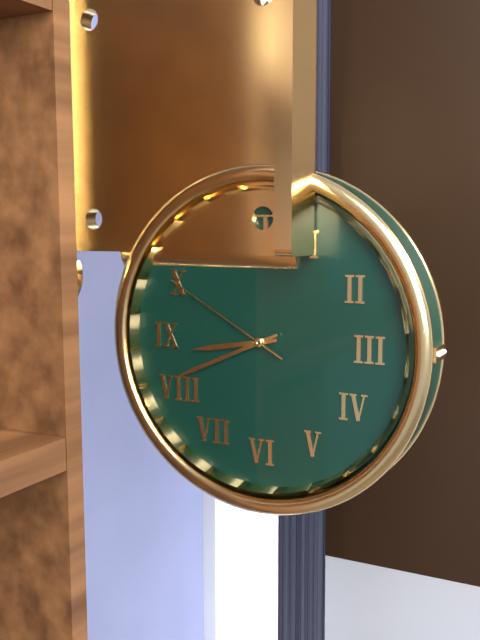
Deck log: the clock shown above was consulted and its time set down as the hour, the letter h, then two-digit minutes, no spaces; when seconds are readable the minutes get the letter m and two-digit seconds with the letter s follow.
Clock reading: 8h41m50s
